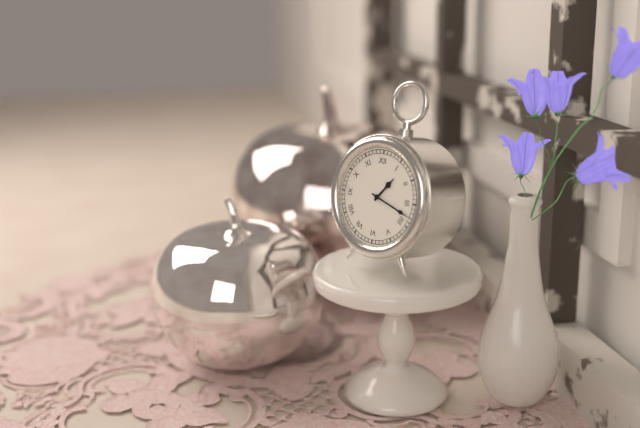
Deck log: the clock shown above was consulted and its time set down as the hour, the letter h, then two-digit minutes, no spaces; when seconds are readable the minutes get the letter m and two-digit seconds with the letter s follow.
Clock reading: 1h18
